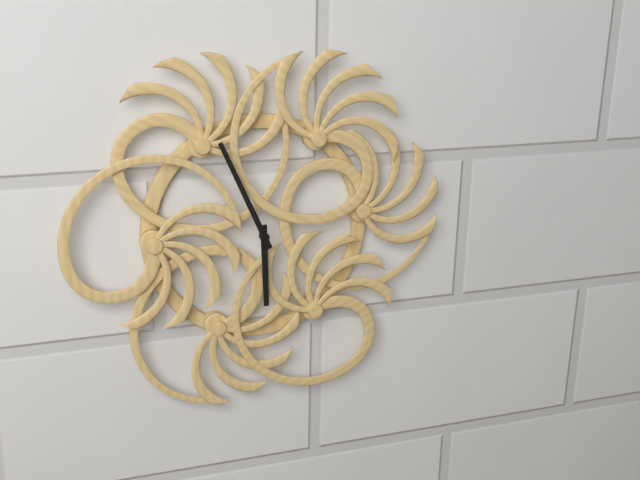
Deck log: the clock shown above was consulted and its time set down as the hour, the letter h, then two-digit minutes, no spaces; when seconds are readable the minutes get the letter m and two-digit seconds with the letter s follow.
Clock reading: 5h56
